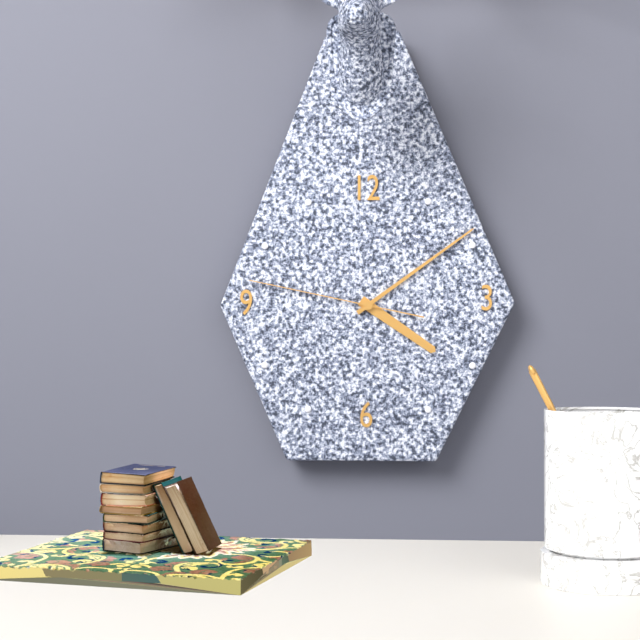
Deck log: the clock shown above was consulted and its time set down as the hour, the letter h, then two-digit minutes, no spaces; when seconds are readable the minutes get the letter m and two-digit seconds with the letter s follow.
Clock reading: 4h09m47s
